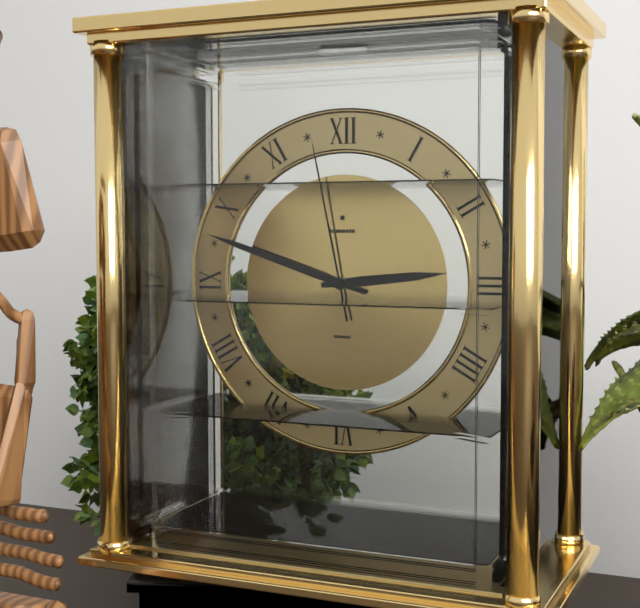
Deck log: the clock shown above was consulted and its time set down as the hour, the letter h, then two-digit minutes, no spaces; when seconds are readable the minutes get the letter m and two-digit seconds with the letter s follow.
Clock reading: 2h48m58s
